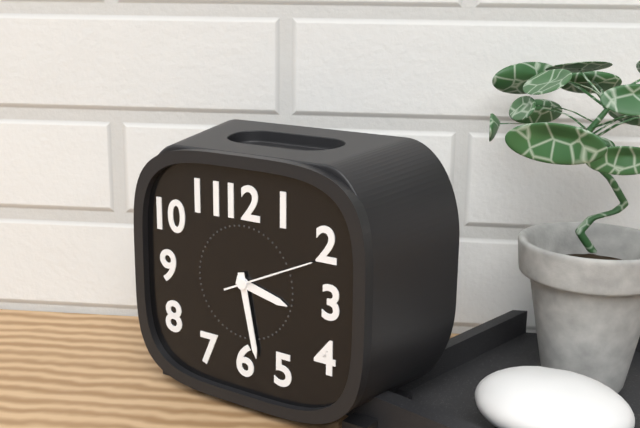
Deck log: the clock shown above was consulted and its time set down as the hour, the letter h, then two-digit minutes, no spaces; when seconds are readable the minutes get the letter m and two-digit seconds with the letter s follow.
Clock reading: 3h28
